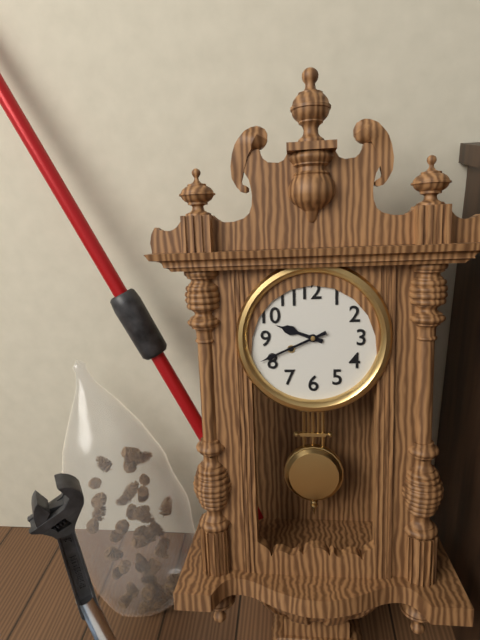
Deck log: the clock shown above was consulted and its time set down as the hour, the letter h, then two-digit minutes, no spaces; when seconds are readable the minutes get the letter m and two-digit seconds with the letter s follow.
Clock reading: 9h41
